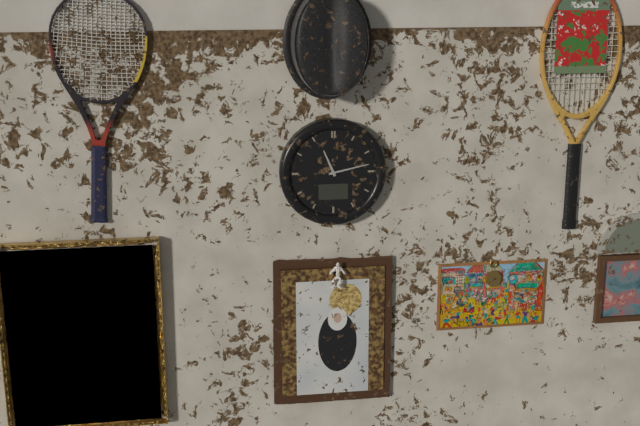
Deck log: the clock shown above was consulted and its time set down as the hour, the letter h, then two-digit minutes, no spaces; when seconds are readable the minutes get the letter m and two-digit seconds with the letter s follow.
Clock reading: 11h13
